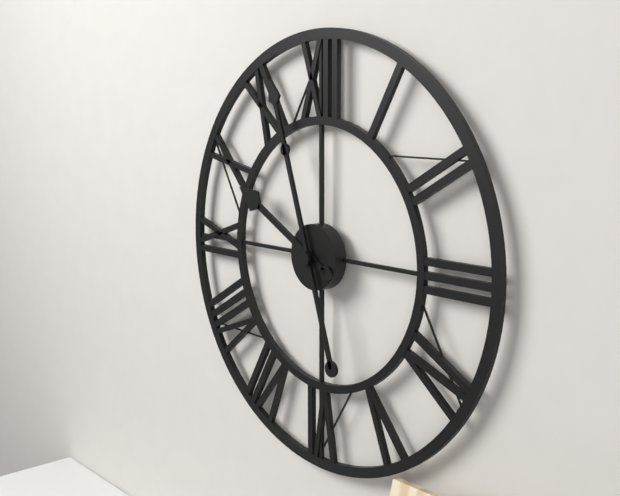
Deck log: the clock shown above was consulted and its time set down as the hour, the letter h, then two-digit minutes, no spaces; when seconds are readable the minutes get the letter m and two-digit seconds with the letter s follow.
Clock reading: 9h57
